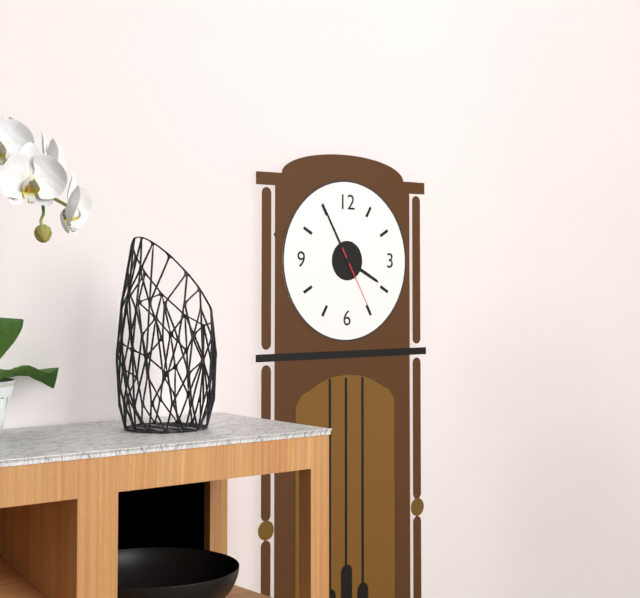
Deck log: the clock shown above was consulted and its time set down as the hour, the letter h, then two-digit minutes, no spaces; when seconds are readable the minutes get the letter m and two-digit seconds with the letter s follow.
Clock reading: 3h55m25s
